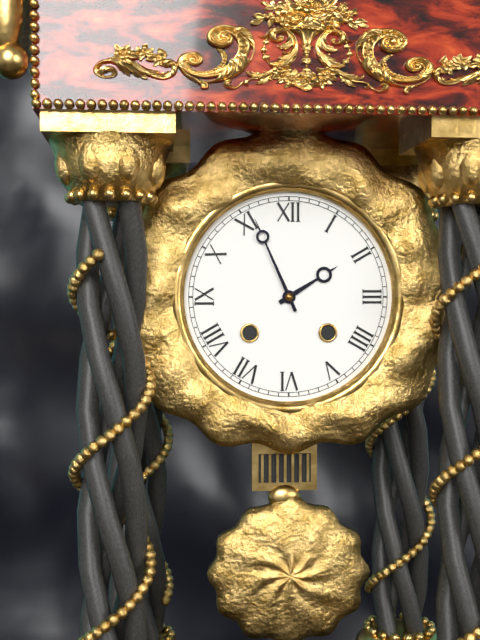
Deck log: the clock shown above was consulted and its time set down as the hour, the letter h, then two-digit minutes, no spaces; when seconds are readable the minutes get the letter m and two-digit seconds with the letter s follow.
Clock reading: 1h56
